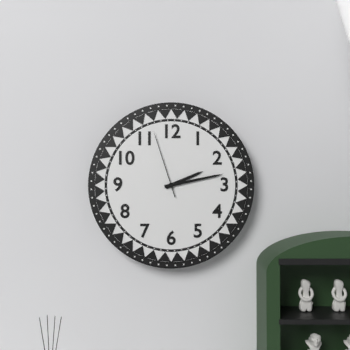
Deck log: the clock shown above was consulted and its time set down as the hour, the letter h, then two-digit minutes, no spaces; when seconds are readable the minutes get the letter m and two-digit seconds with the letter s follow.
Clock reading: 2h13m57s
